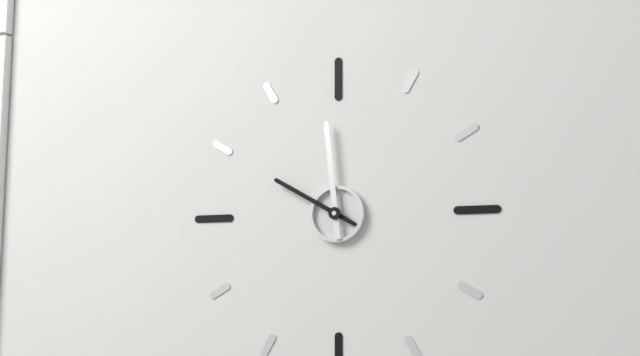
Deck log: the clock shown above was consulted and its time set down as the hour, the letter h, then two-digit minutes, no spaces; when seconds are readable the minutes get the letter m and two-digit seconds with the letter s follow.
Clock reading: 9h59
